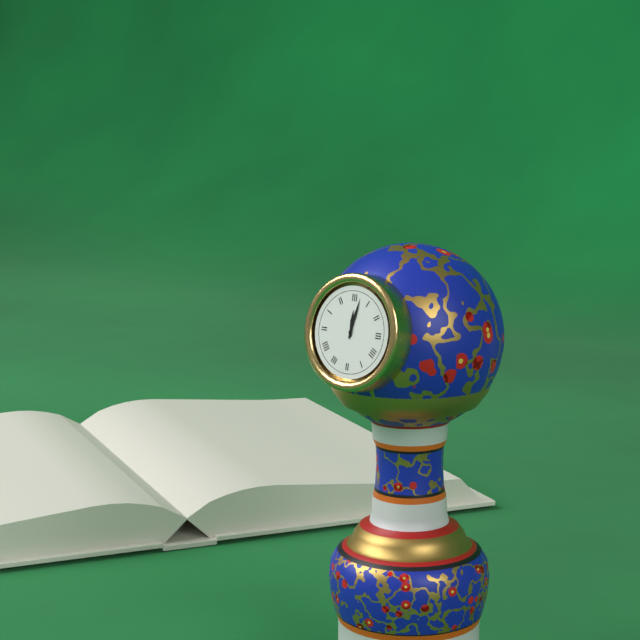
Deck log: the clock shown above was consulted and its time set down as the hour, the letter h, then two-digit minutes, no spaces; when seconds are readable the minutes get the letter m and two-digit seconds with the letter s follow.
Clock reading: 12h02
